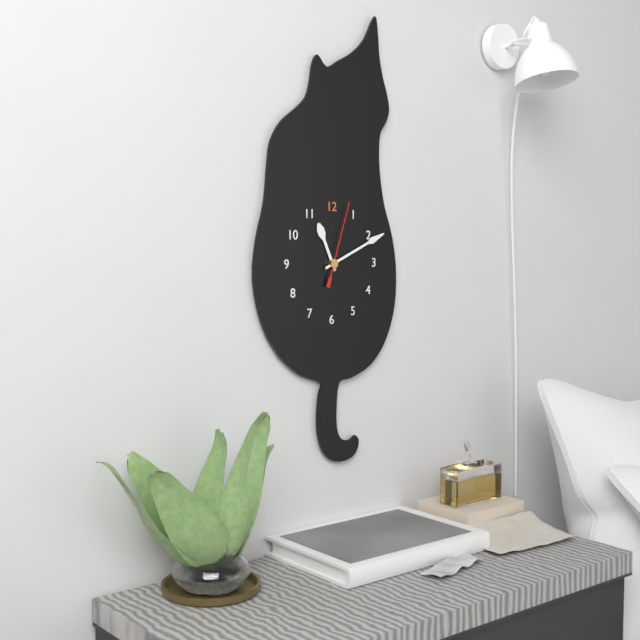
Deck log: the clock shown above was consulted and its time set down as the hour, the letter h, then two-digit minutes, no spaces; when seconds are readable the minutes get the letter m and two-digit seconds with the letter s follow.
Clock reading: 11h11m03s
